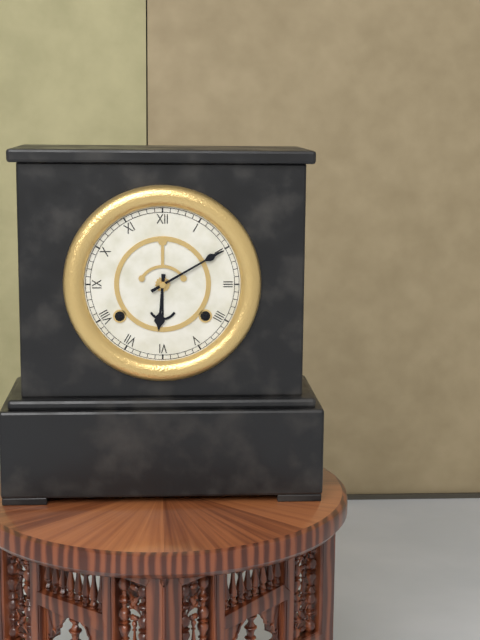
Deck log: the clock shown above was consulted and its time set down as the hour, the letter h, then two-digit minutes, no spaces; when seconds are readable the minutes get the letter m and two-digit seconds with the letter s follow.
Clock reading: 6h10
